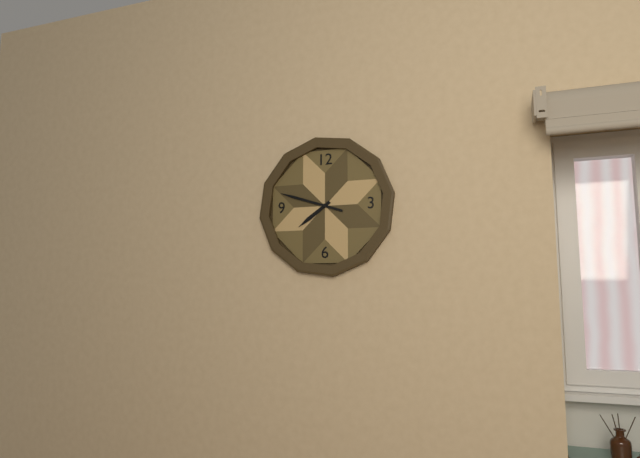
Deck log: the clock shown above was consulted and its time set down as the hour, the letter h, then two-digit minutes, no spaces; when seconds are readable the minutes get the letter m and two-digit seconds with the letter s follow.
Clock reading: 7h48
